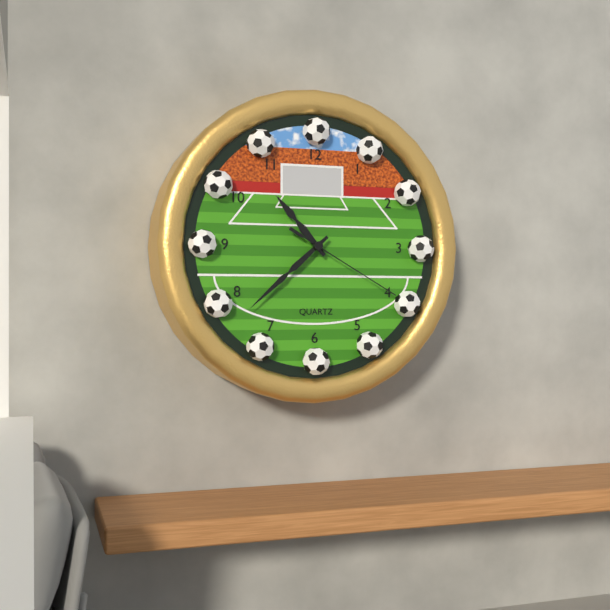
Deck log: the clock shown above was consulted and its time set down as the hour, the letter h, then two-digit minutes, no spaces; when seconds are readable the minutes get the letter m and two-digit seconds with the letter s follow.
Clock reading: 10h38m20s
